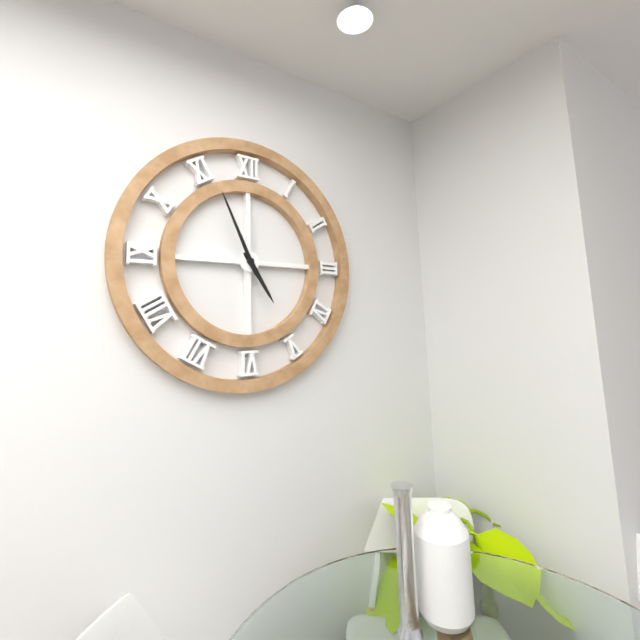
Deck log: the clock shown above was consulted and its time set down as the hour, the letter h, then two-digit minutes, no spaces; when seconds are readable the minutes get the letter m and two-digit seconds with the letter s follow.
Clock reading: 4h56
